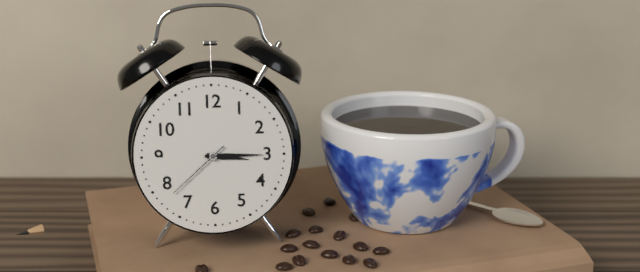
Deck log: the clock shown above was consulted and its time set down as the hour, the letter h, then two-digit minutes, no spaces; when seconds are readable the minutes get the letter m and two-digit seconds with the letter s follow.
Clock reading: 3h15m38s
